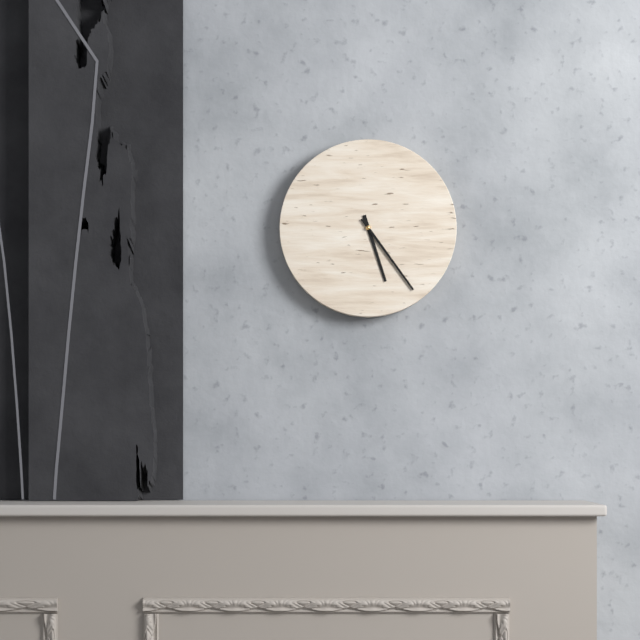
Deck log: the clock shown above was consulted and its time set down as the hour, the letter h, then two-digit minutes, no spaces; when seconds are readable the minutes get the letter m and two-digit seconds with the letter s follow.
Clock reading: 5h24
